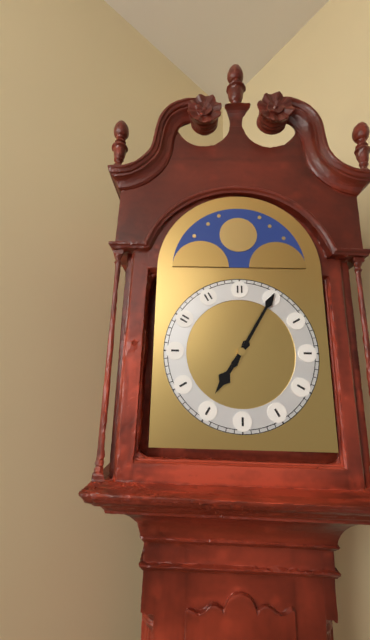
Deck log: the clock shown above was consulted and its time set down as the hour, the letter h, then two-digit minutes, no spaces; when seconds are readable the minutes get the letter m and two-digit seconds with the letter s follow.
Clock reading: 7h05
